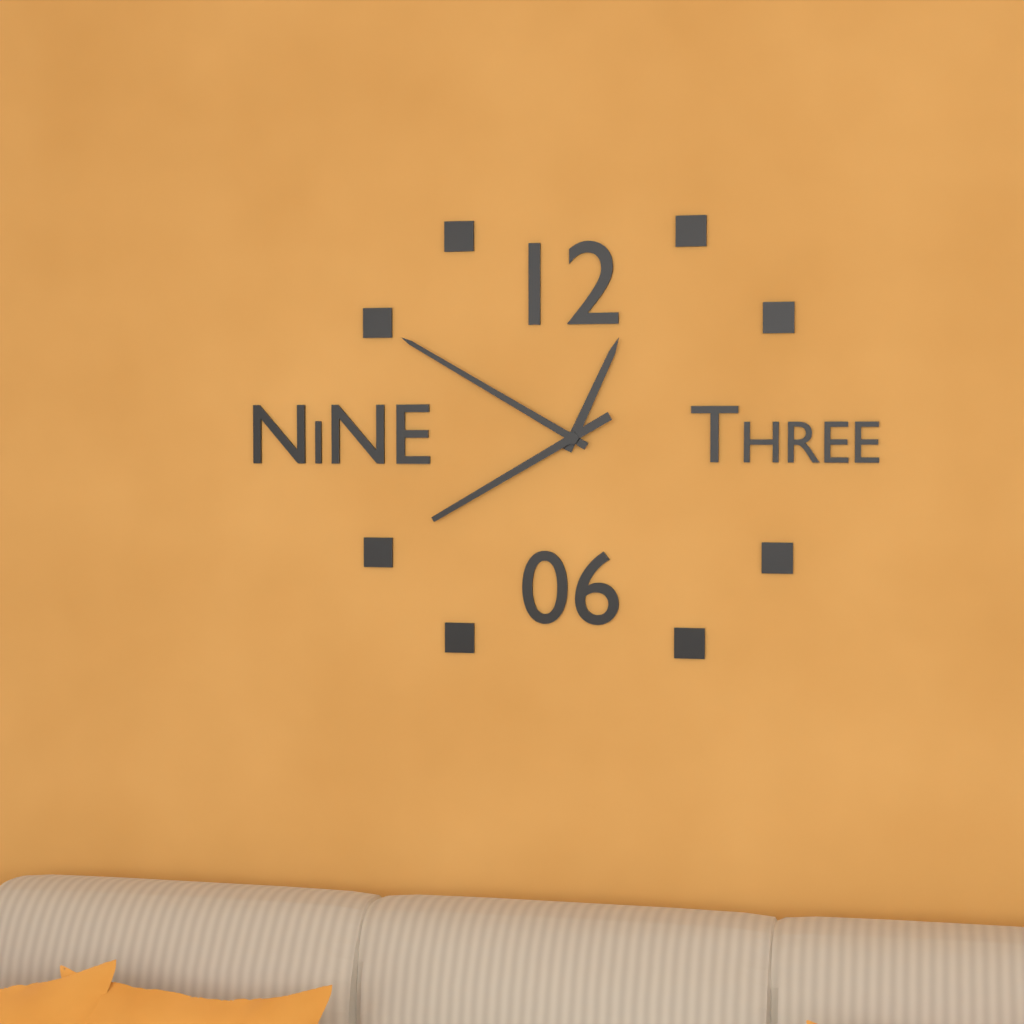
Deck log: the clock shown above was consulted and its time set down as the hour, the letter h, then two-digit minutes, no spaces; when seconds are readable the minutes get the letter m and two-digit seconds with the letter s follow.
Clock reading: 12h50m40s
